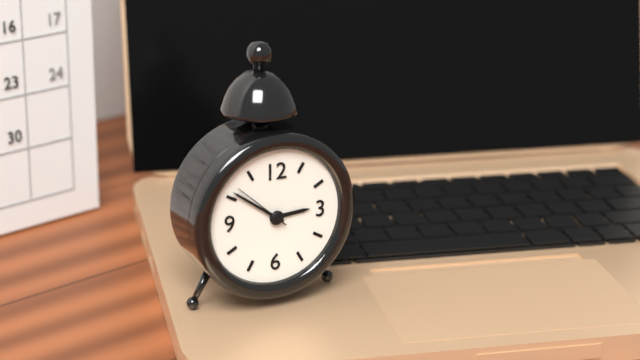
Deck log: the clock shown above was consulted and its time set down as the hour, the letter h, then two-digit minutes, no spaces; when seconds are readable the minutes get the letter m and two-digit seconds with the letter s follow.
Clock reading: 2h51
